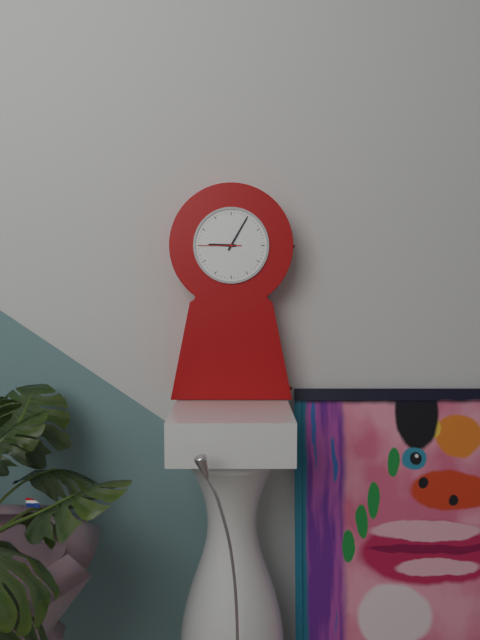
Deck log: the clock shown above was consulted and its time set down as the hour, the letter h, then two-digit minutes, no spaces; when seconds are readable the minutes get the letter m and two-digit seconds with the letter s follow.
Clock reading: 9h05
